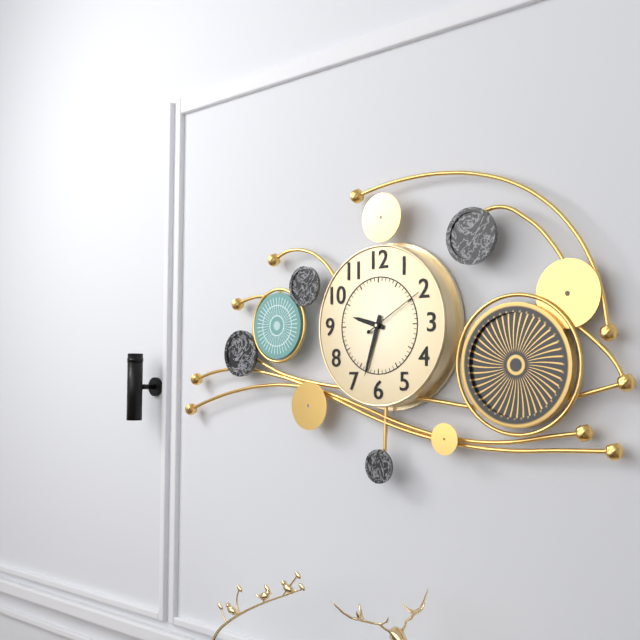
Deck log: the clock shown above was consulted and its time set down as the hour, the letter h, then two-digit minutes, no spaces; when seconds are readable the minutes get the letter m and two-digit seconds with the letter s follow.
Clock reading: 9h33m10s
